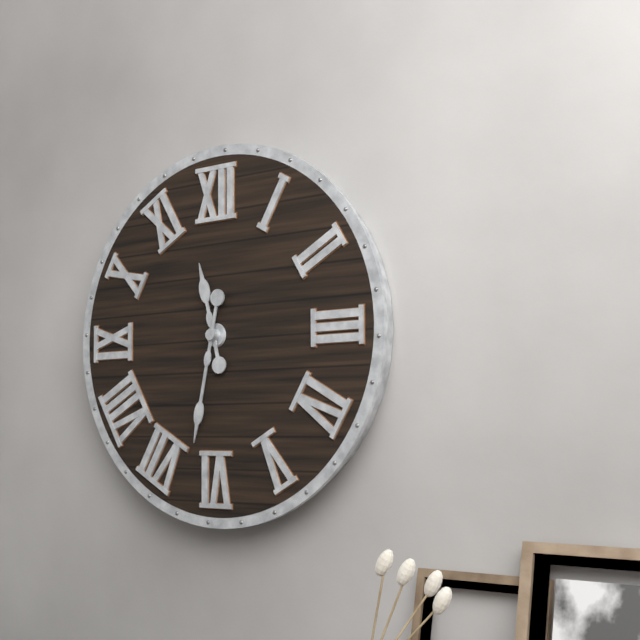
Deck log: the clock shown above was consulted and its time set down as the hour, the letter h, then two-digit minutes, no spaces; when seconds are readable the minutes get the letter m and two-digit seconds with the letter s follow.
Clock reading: 11h32
